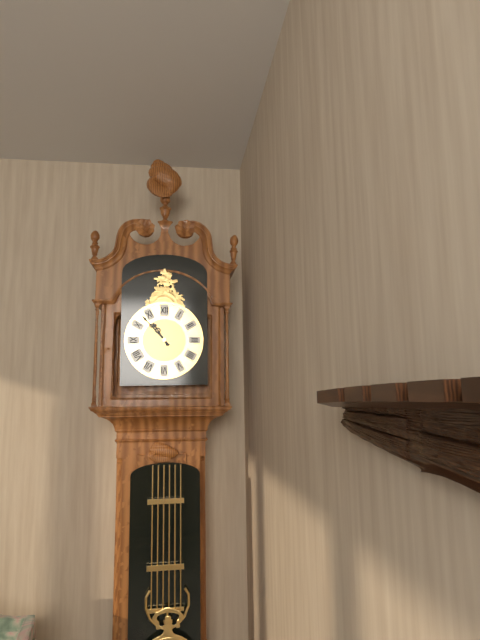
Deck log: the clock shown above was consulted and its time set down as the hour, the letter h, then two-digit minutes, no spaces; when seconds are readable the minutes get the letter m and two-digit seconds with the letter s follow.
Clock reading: 10h53
